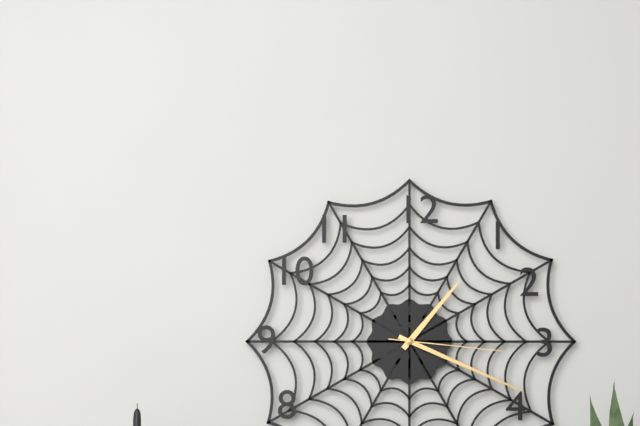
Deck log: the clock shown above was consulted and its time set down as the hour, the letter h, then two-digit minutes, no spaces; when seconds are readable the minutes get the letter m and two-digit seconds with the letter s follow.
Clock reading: 1h19m16s
